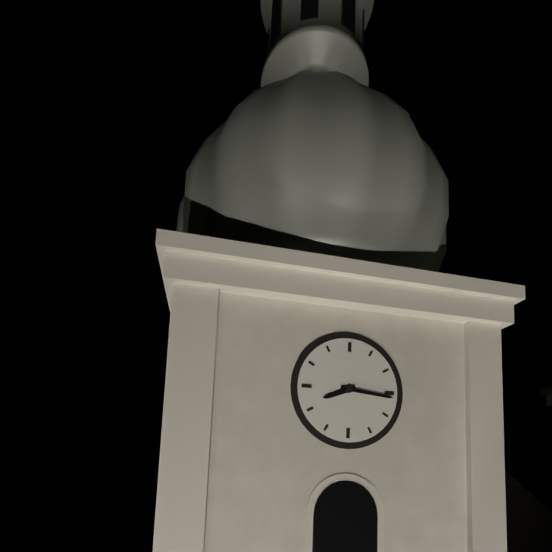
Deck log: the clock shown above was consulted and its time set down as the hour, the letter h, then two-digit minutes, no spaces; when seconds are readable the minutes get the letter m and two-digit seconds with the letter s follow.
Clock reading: 8h16
